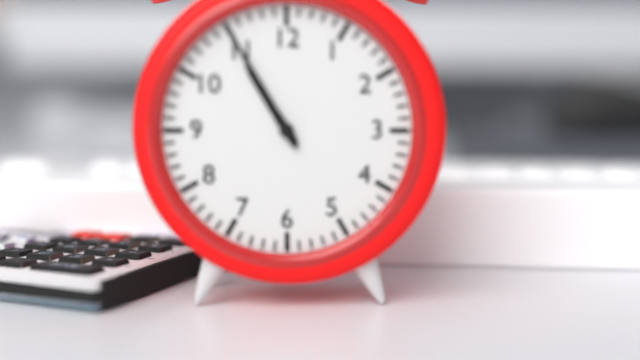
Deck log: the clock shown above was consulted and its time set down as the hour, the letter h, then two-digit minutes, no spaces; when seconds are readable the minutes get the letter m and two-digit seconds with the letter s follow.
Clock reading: 10h55
